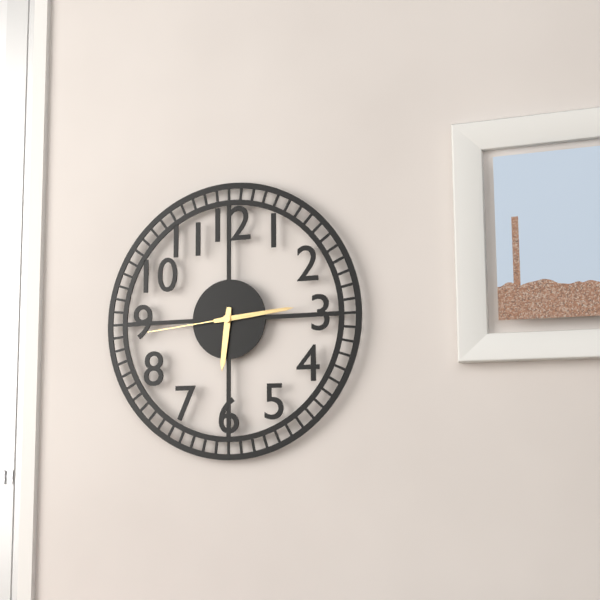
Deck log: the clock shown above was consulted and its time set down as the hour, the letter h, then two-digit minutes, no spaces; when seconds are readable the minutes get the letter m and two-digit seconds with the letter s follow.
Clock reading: 6h14m44s
